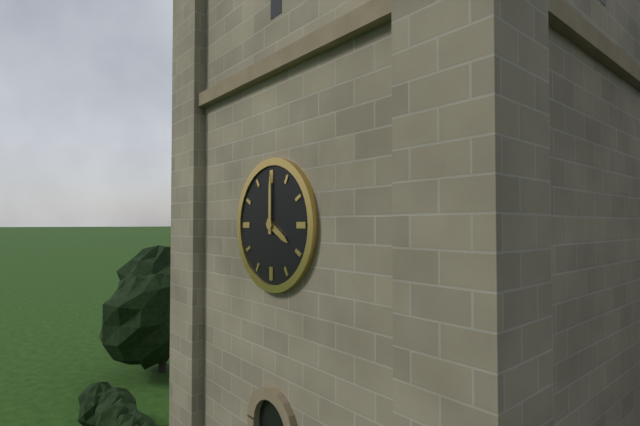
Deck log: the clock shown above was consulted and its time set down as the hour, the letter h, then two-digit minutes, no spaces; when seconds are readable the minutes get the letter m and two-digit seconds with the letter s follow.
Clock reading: 4h00
